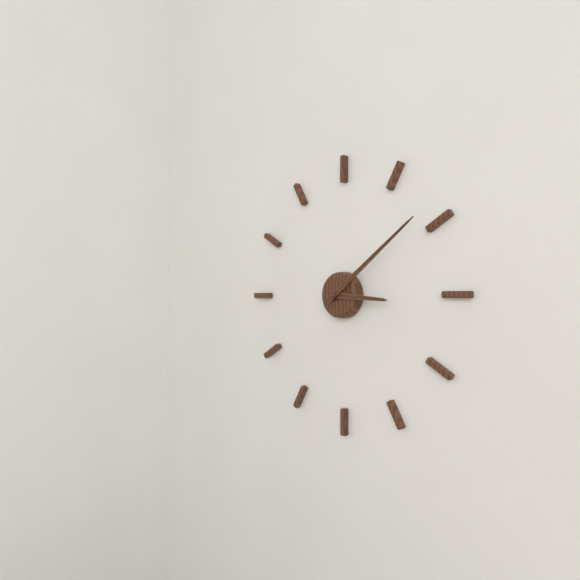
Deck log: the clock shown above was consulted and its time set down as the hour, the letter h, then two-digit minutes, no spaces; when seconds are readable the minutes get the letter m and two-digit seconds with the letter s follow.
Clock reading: 3h09
